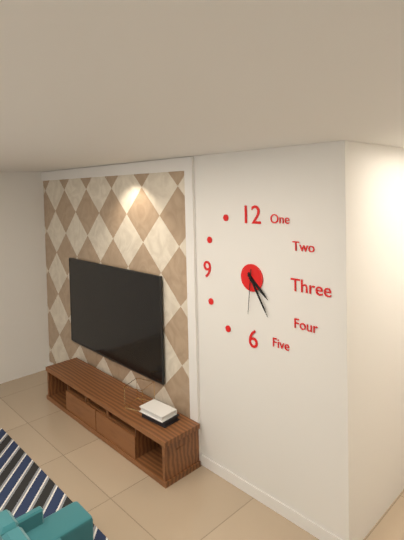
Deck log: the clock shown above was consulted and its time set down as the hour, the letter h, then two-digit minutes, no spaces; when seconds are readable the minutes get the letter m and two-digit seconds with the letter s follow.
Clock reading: 4h25
